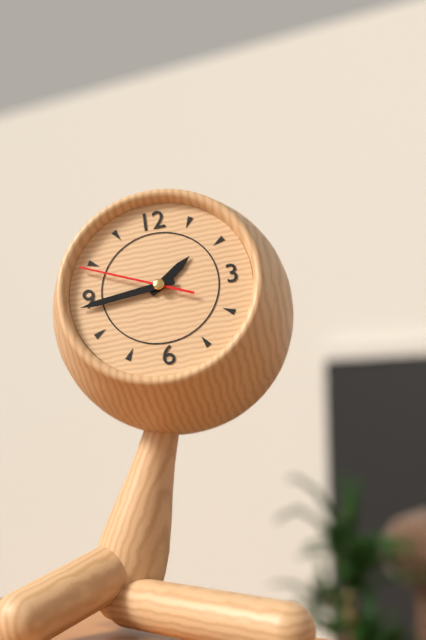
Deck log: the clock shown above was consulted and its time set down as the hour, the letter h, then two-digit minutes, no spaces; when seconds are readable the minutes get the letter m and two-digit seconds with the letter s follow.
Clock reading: 1h44m49s
